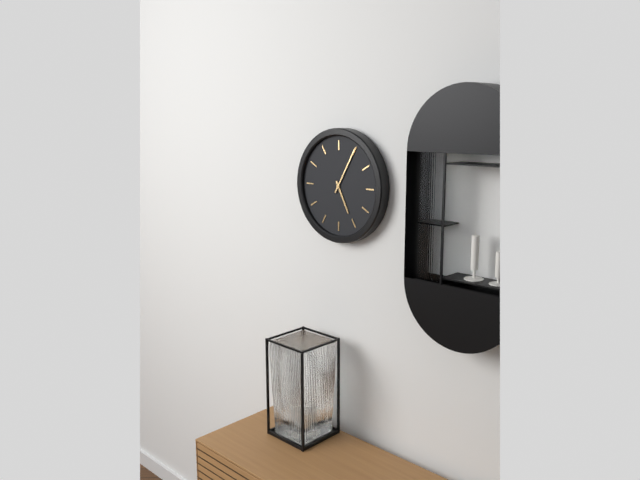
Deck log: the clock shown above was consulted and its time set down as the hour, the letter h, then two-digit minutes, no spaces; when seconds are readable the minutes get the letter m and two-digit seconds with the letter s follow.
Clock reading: 5h05
